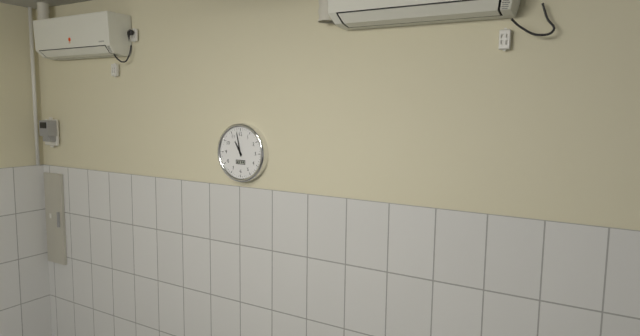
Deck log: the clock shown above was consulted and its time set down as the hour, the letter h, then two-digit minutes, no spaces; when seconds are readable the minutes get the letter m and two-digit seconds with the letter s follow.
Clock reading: 10h58
